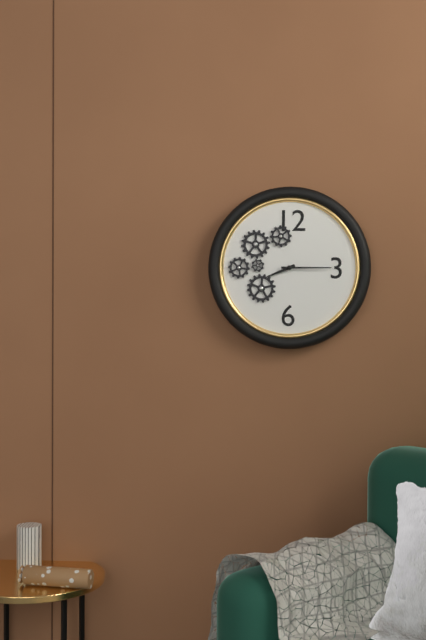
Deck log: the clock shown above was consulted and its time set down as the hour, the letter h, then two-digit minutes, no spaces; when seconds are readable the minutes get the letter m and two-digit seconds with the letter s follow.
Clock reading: 8h15
